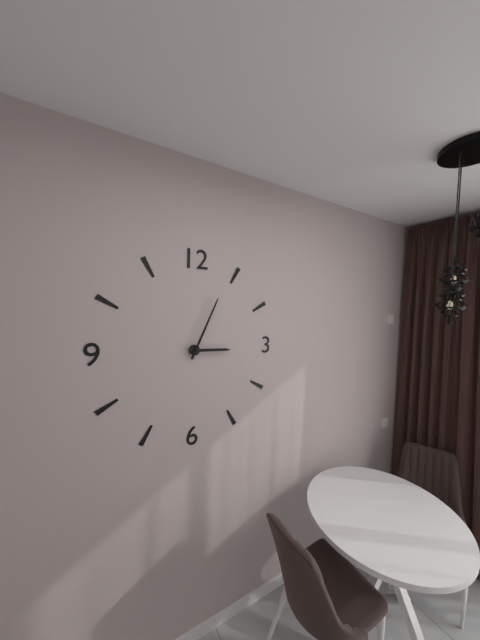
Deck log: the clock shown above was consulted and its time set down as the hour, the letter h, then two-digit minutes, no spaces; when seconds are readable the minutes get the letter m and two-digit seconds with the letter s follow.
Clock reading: 3h04
